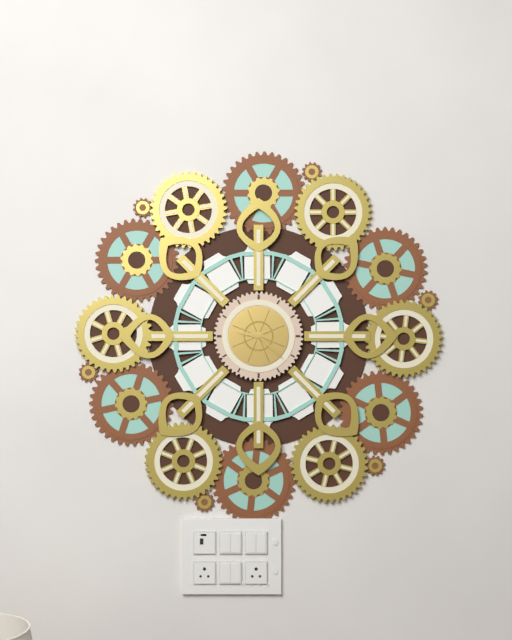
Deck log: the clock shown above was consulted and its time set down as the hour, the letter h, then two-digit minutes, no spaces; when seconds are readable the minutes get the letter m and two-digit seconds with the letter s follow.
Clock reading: 9h22
